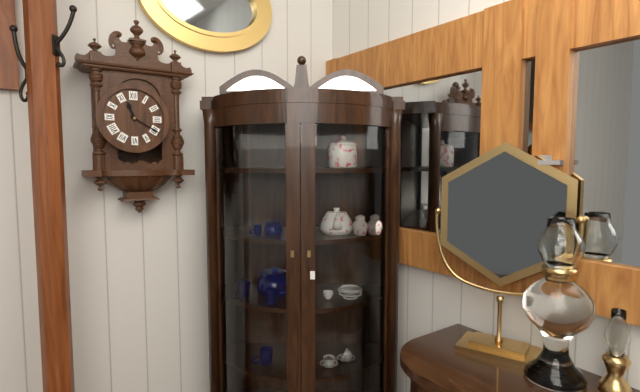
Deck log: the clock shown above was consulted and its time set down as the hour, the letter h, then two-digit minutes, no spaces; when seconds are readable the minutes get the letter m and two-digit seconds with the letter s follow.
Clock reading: 11h20
